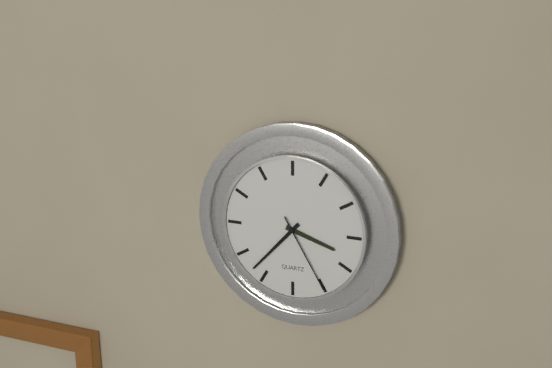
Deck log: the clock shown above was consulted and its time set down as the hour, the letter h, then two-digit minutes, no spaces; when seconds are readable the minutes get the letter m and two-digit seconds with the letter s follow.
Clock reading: 3h37m25s
